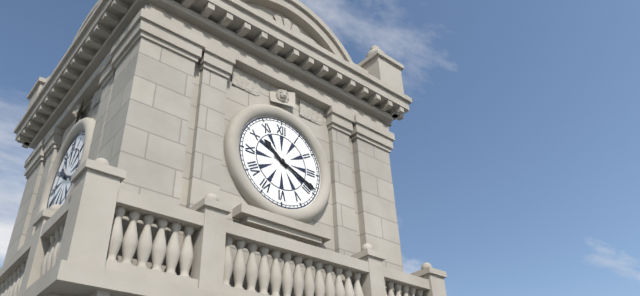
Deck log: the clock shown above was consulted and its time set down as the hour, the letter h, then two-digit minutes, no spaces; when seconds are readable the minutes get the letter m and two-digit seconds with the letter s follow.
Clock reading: 10h19
